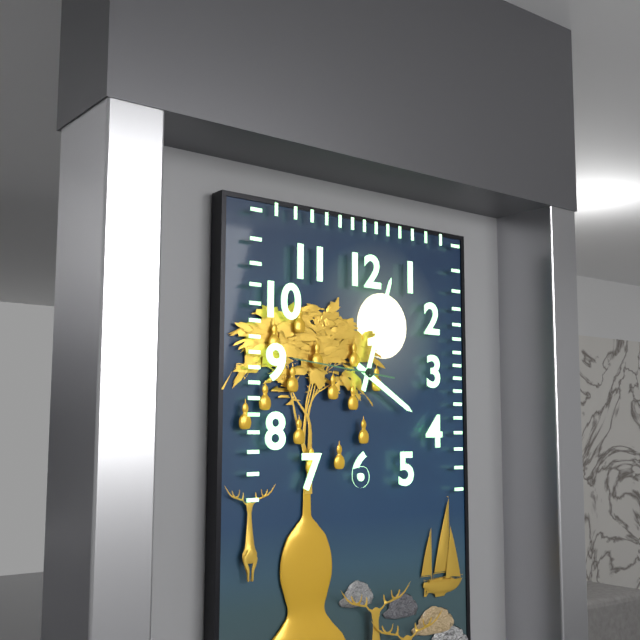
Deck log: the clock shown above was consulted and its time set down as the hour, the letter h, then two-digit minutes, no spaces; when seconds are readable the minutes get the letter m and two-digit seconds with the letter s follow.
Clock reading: 4h03m46s
